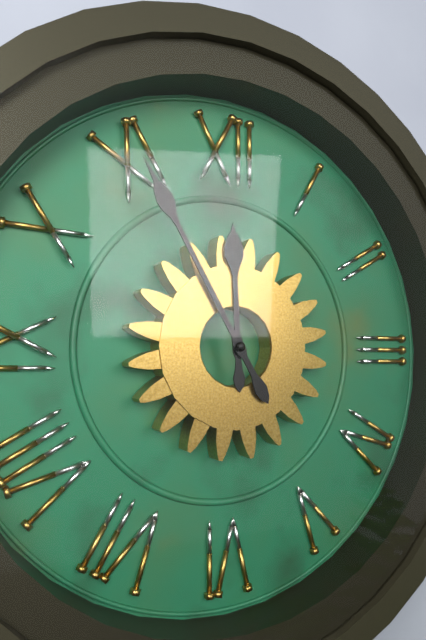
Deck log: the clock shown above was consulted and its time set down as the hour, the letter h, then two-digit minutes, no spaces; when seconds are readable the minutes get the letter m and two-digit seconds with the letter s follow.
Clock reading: 11h55
